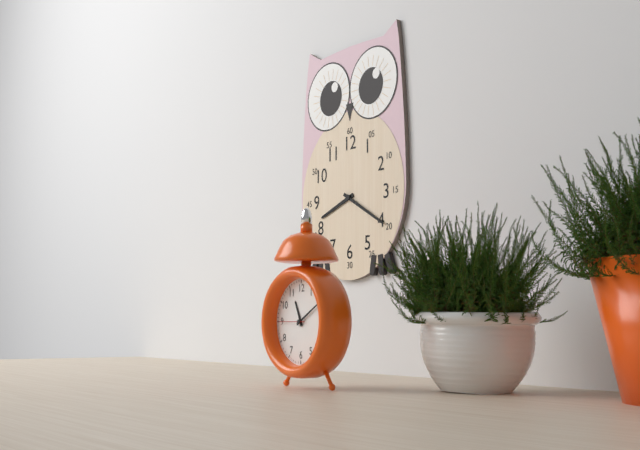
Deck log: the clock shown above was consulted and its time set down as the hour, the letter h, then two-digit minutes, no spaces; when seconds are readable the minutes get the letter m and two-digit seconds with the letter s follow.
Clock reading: 8h20
